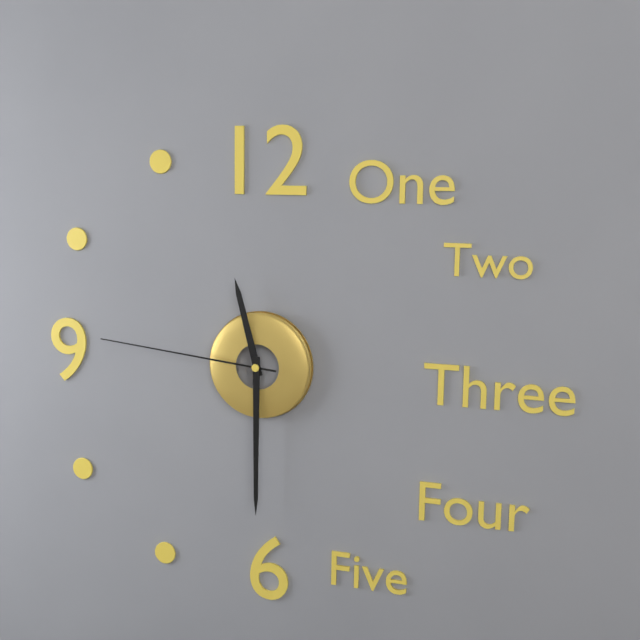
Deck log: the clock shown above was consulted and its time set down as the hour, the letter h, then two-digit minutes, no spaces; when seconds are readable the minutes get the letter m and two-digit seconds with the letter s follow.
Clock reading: 11h30m46s
